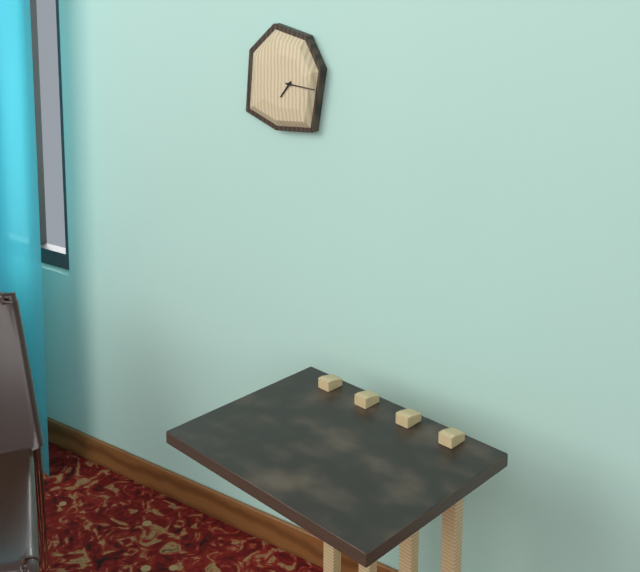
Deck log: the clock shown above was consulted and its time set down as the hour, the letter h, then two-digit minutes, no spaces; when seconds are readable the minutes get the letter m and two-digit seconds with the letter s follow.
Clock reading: 7h16
